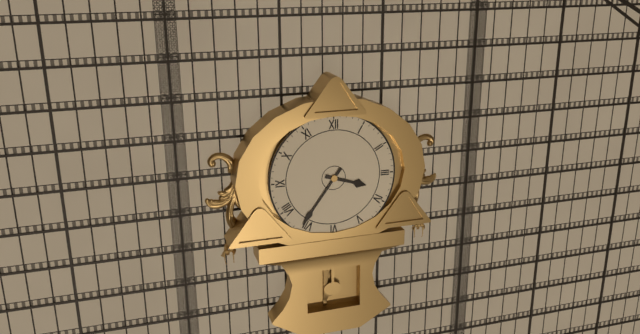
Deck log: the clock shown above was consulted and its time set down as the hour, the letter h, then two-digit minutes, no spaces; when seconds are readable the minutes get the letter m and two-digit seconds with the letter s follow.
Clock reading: 3h36
